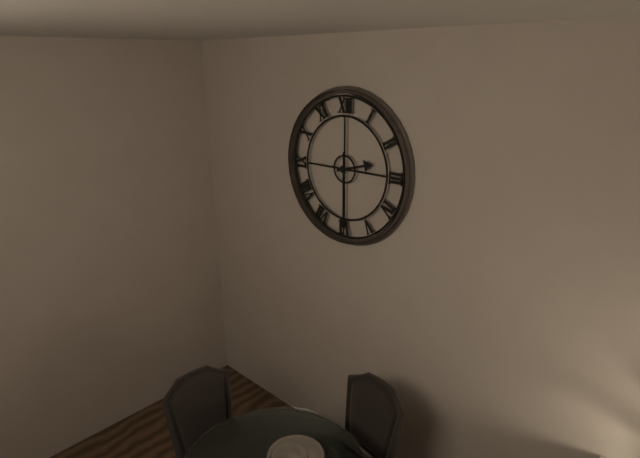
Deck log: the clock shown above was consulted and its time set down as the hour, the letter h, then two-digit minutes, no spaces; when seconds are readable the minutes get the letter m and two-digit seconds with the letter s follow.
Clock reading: 2h30
